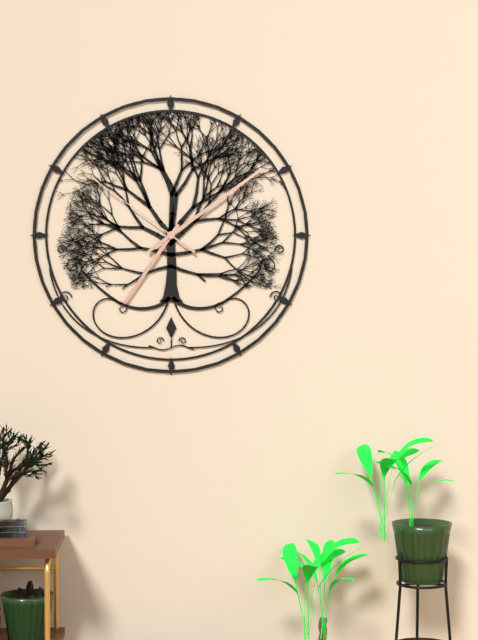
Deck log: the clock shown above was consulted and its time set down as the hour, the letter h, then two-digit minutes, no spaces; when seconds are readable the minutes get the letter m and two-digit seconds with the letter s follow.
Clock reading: 7h09m51s
